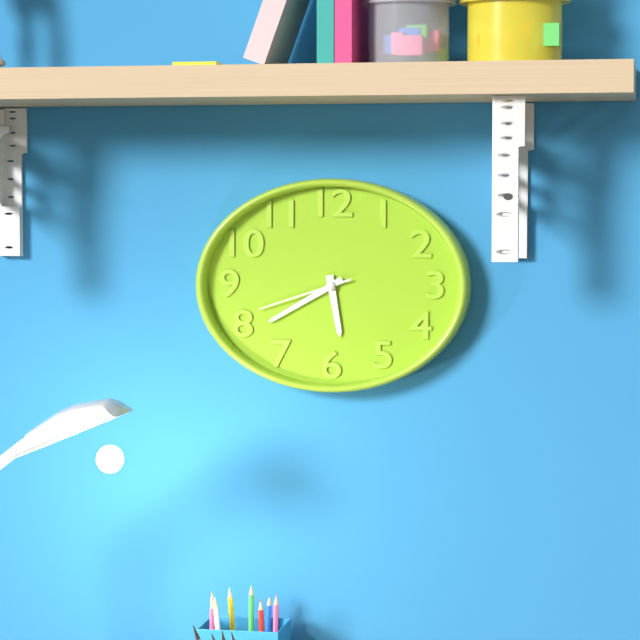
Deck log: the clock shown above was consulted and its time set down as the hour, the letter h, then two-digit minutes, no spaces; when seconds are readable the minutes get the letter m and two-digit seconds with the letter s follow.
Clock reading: 5h40m42s
